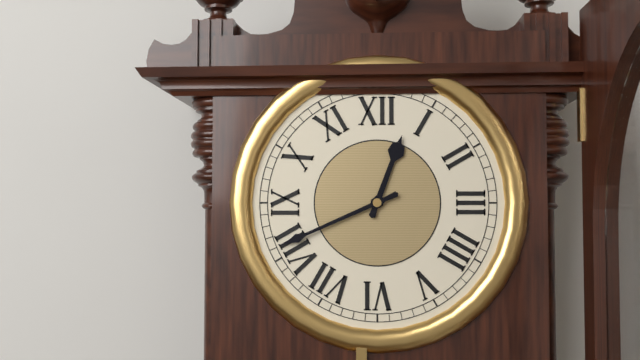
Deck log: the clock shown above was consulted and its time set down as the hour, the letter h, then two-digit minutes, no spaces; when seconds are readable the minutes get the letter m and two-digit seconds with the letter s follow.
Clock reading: 12h41
